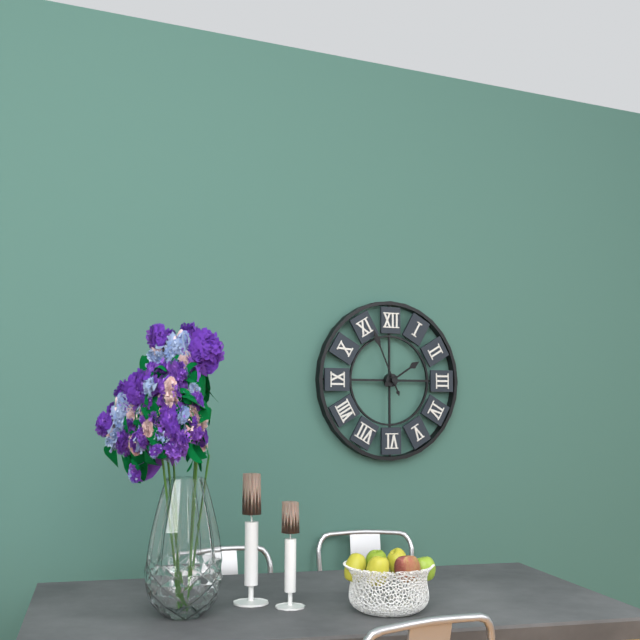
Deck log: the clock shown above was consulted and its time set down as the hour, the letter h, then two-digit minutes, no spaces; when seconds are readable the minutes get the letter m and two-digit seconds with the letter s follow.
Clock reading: 1h56
